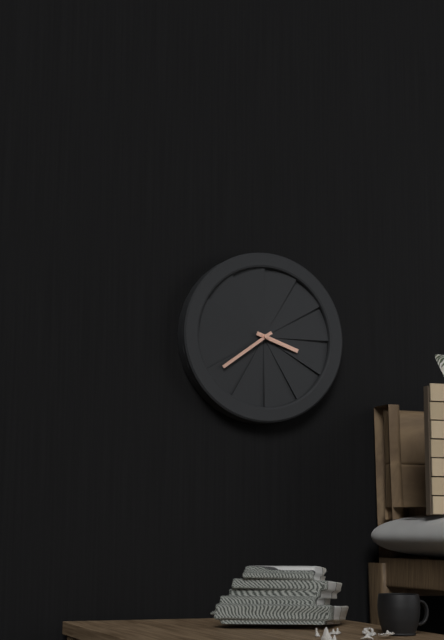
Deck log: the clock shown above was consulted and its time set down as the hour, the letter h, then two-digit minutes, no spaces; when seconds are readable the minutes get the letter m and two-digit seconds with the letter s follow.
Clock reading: 3h39
